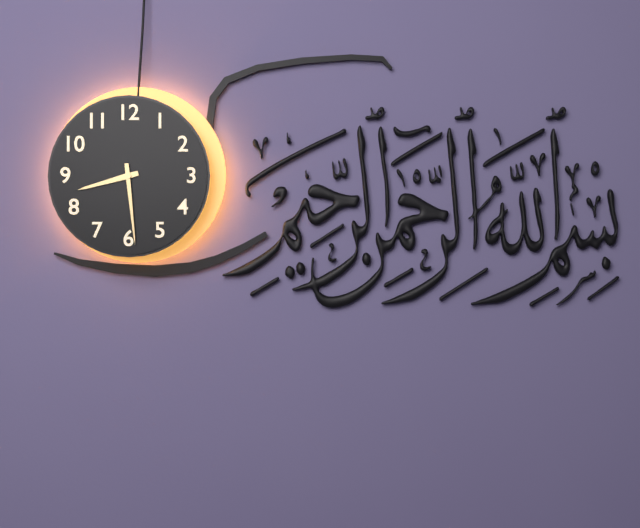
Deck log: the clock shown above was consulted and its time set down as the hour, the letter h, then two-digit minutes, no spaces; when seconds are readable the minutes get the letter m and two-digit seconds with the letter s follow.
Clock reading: 8h29
